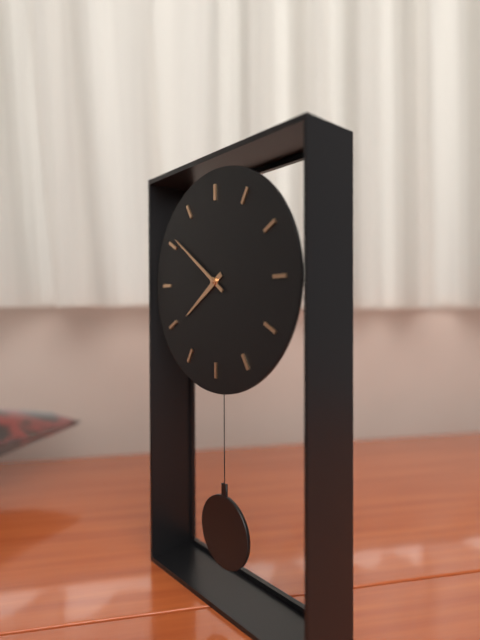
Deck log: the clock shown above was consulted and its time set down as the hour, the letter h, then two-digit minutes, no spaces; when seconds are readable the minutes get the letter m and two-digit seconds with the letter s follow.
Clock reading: 7h51
